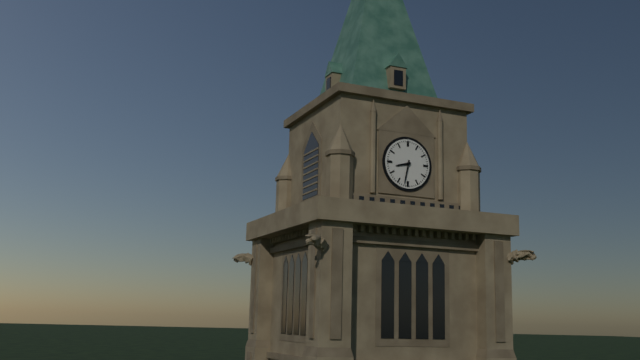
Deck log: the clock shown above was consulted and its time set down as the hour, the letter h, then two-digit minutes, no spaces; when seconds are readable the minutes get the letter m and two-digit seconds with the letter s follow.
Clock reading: 8h32
